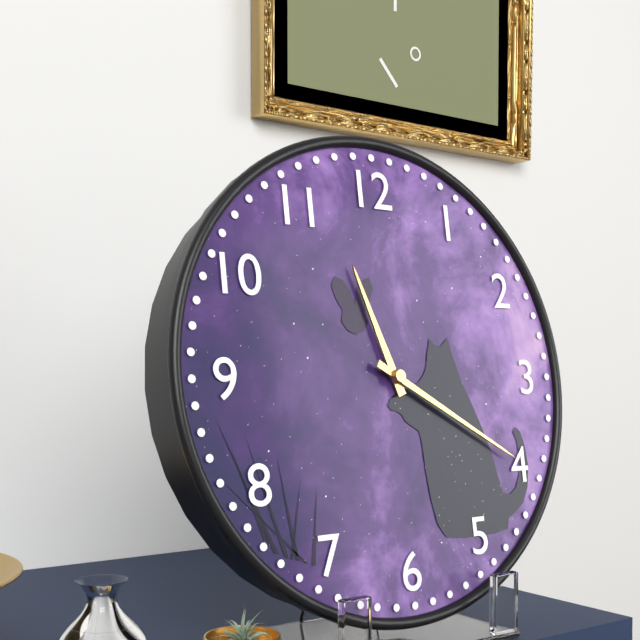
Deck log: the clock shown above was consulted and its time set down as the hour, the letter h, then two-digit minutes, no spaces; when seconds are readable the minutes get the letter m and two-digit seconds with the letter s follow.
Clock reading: 11h20
